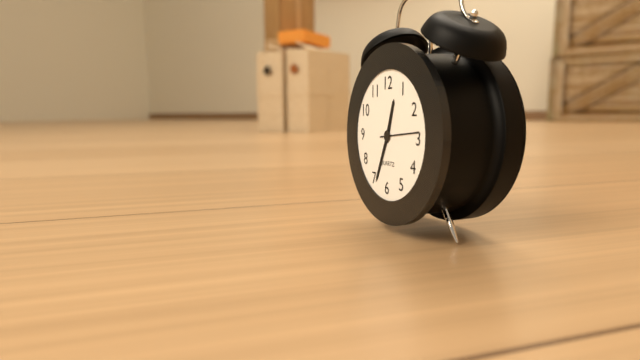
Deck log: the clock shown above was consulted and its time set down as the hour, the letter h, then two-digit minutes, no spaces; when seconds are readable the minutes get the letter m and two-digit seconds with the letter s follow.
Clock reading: 12h34
